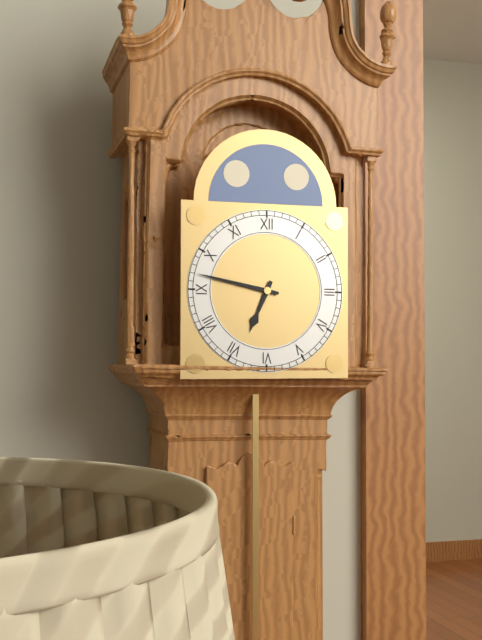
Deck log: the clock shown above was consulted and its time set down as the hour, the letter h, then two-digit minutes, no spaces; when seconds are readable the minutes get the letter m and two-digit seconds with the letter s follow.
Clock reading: 6h47
